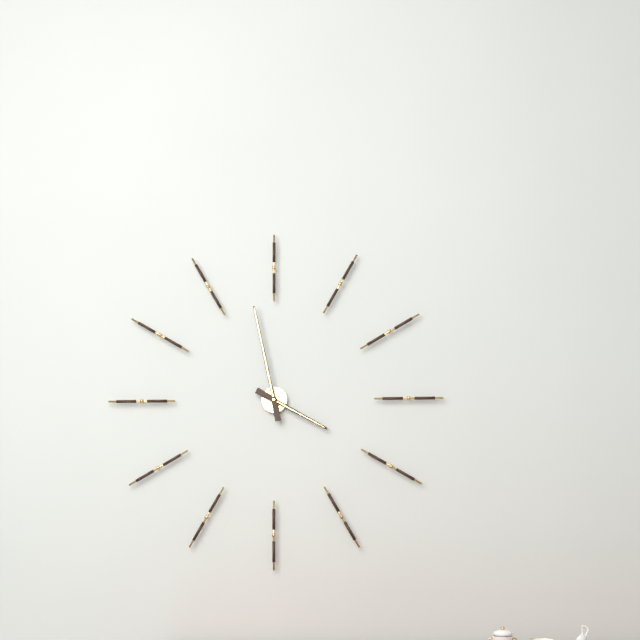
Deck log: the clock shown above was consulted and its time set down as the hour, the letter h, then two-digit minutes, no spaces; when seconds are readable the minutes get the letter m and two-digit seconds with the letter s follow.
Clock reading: 3h58
